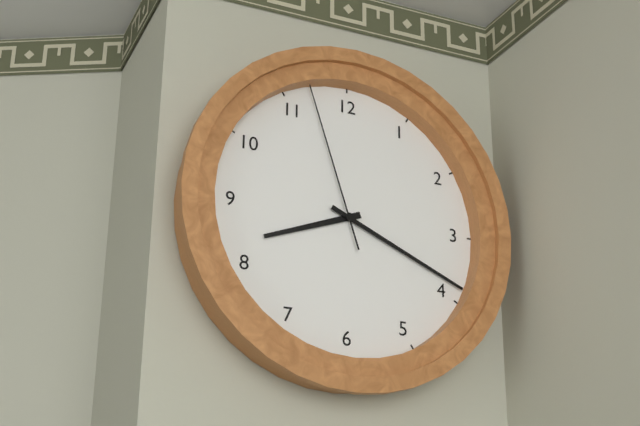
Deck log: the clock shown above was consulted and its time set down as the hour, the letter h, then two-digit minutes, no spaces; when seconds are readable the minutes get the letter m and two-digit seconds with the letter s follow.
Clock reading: 8h19m57s
